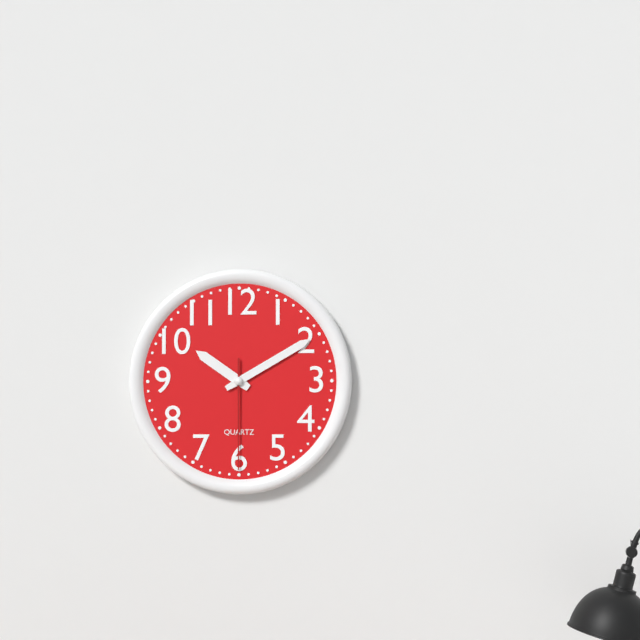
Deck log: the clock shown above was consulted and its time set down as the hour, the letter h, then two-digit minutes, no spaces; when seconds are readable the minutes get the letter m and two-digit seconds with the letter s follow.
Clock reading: 10h10m30s
